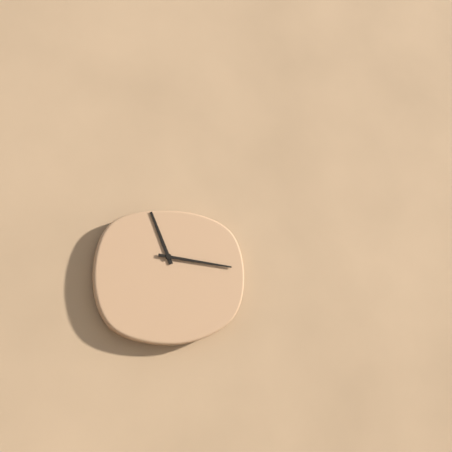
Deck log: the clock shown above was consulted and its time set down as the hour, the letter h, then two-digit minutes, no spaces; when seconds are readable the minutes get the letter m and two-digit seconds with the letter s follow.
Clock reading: 11h16
